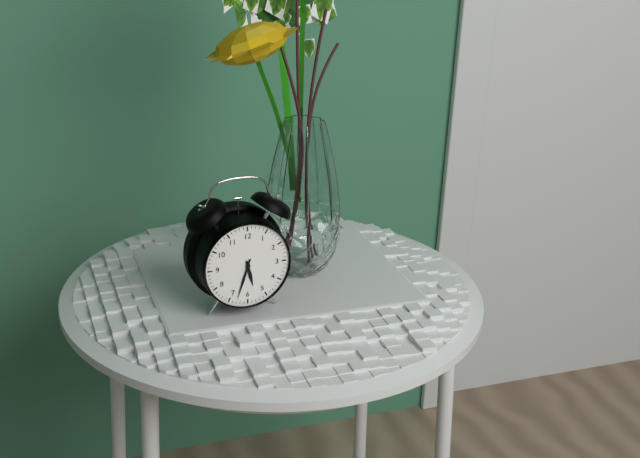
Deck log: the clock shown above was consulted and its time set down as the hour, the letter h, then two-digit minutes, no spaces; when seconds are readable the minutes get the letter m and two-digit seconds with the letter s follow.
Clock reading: 5h33
